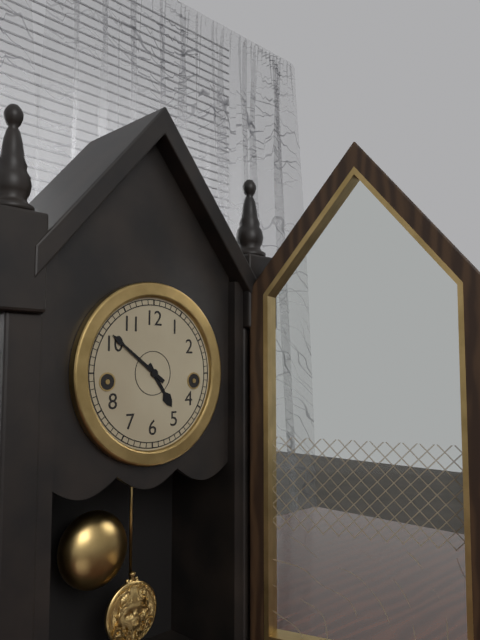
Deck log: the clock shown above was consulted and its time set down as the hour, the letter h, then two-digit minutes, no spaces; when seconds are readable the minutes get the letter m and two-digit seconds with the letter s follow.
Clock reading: 4h51
